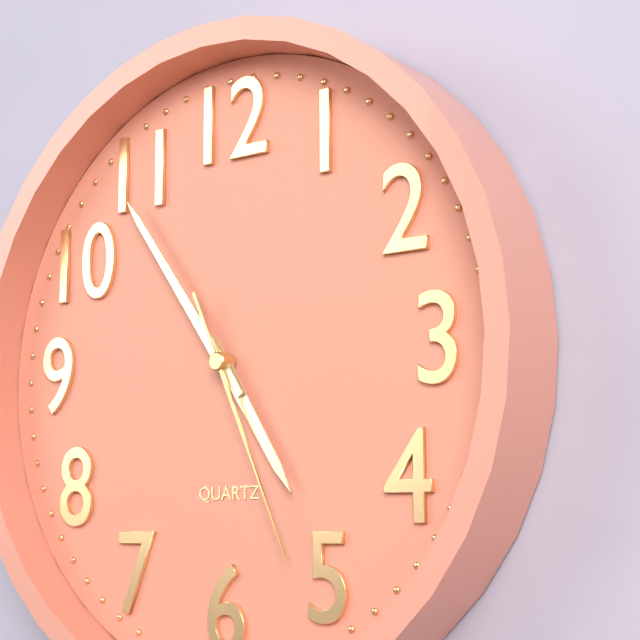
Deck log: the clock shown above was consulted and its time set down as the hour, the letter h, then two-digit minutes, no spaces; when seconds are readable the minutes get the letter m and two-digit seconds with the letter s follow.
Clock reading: 4h54m26s
